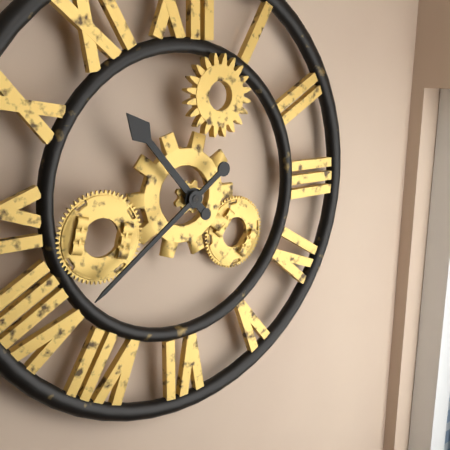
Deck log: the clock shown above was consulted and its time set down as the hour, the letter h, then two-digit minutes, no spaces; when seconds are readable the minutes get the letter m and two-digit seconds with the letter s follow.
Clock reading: 10h39
